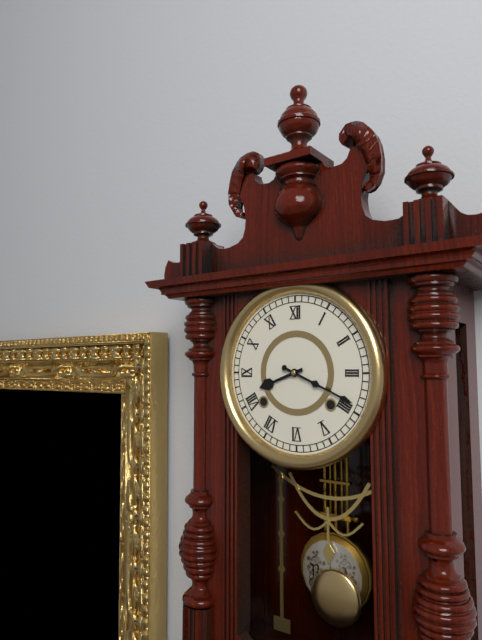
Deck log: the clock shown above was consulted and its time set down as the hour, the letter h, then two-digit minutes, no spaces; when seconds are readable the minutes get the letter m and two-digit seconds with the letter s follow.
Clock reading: 8h19
